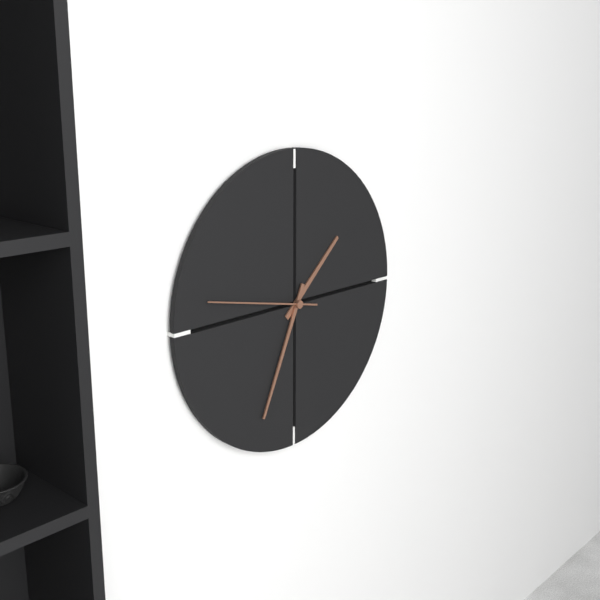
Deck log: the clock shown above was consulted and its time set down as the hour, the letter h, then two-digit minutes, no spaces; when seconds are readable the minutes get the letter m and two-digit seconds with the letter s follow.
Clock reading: 1h34m47s
